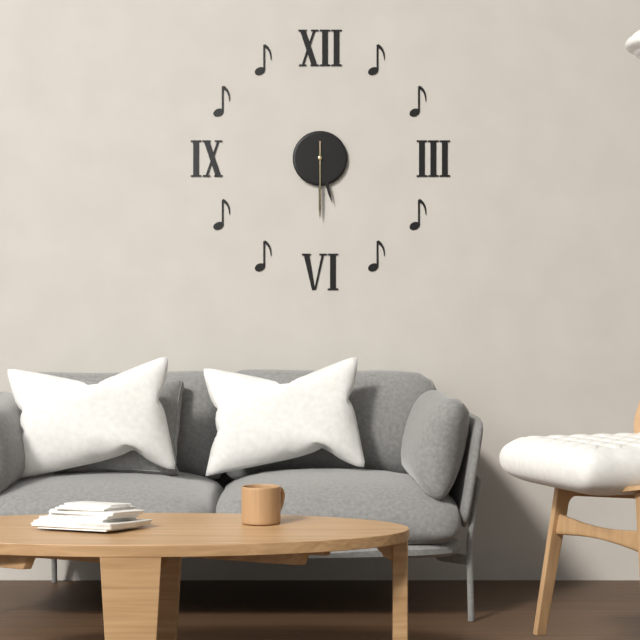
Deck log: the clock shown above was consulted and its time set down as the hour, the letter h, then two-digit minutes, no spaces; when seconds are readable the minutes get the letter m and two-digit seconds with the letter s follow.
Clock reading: 5h30m30s
